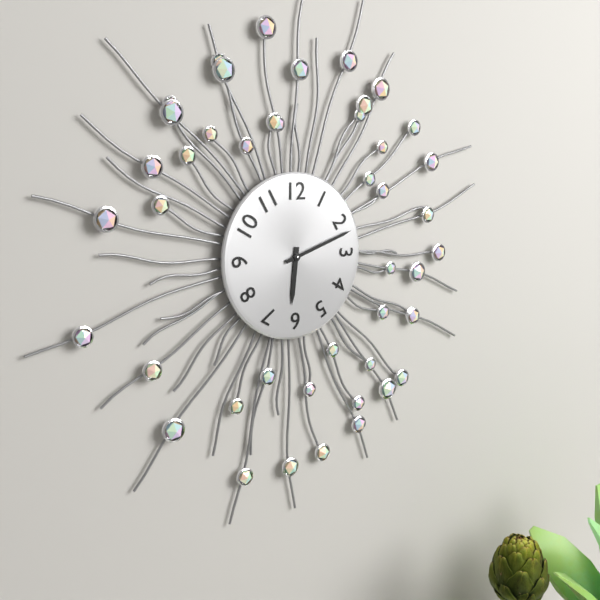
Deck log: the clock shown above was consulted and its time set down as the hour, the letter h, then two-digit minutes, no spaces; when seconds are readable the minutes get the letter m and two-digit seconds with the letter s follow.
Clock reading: 6h12
